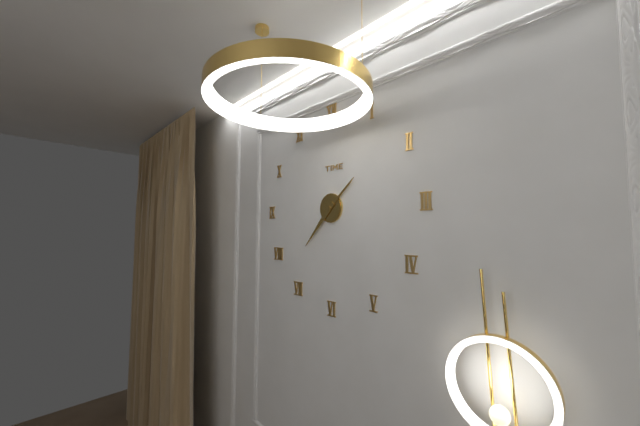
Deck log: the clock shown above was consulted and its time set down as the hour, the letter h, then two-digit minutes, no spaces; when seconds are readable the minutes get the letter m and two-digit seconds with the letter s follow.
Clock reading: 1h37
